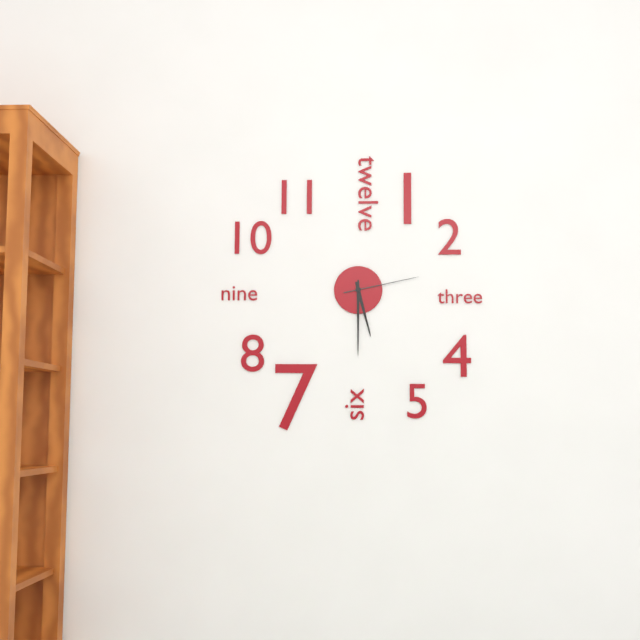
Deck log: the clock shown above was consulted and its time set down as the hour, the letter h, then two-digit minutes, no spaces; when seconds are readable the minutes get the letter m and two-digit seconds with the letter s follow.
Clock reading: 5h30m13s
